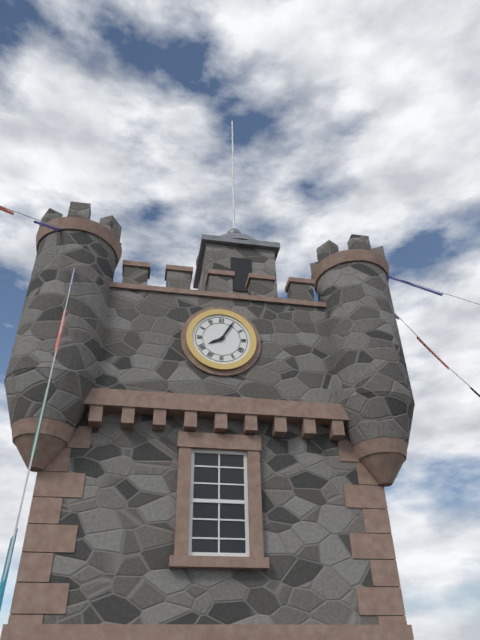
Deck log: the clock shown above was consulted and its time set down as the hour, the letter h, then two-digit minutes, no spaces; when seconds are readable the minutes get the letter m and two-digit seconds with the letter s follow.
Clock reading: 8h05
